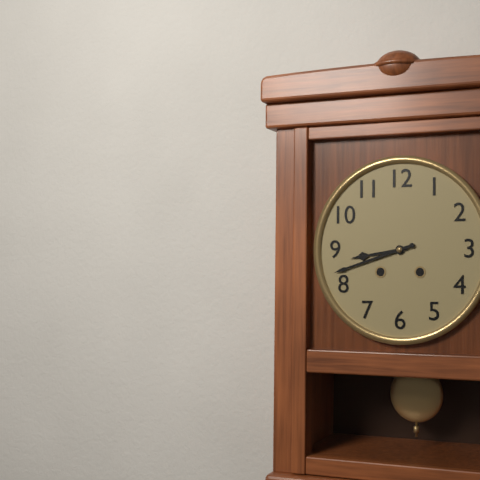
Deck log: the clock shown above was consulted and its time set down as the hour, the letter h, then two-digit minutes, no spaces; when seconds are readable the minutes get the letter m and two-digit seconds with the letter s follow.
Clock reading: 8h42
